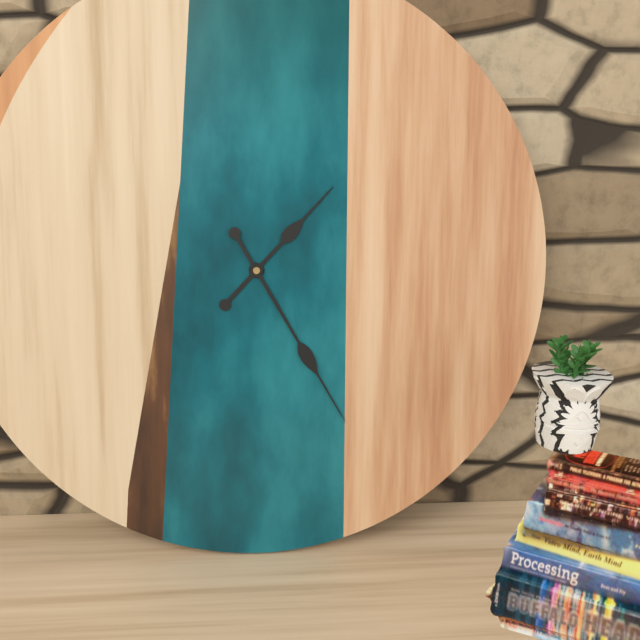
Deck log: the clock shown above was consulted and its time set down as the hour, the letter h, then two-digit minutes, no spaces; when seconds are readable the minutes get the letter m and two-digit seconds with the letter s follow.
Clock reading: 1h25
